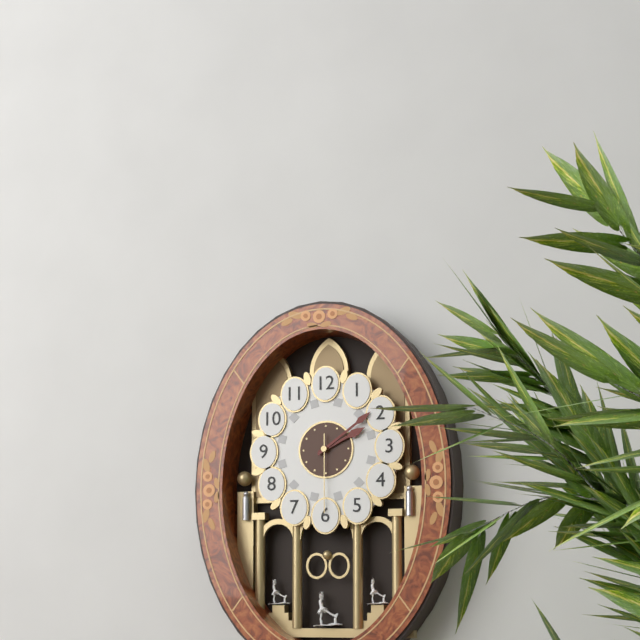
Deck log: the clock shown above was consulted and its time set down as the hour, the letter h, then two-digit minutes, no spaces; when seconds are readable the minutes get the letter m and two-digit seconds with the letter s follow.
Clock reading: 2h09m30s
